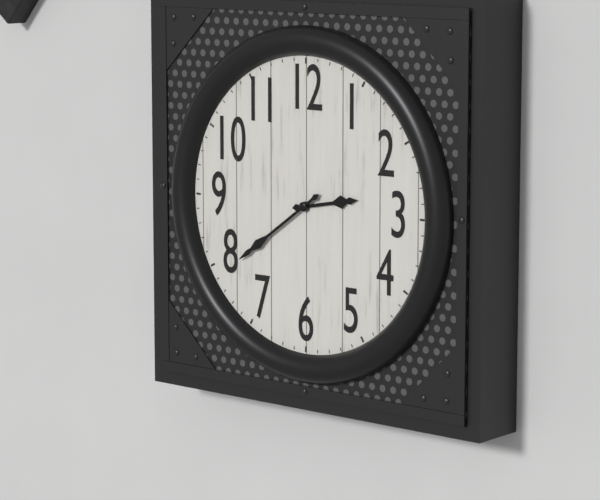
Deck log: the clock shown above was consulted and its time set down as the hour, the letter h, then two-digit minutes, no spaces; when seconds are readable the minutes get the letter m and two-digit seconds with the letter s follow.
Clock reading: 2h39
